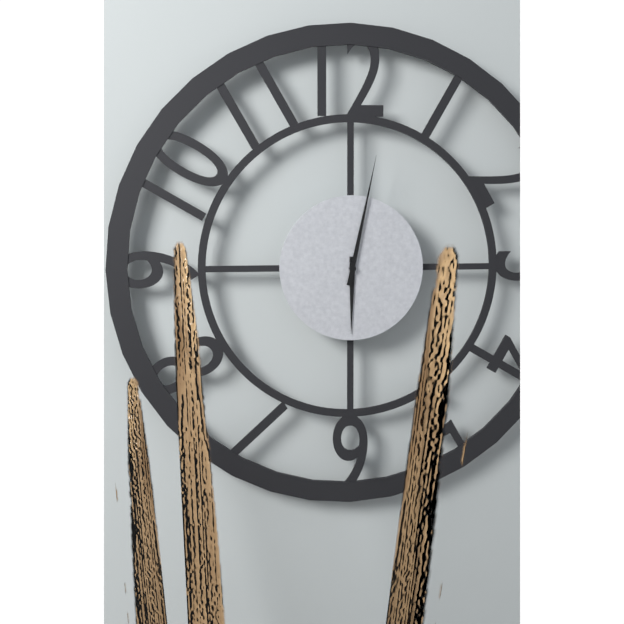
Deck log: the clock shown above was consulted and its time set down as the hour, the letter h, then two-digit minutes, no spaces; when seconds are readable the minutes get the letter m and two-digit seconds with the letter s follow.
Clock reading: 6h02
